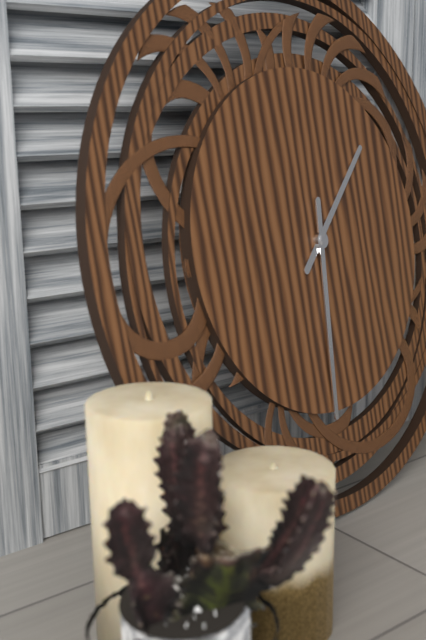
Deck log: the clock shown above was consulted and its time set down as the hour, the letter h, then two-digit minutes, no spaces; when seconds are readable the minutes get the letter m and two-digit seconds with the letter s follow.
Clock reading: 1h31
